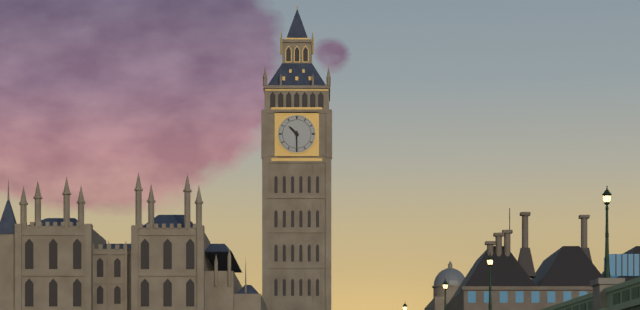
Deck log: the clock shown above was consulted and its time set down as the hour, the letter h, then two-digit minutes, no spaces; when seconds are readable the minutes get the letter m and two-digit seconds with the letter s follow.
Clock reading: 10h30
